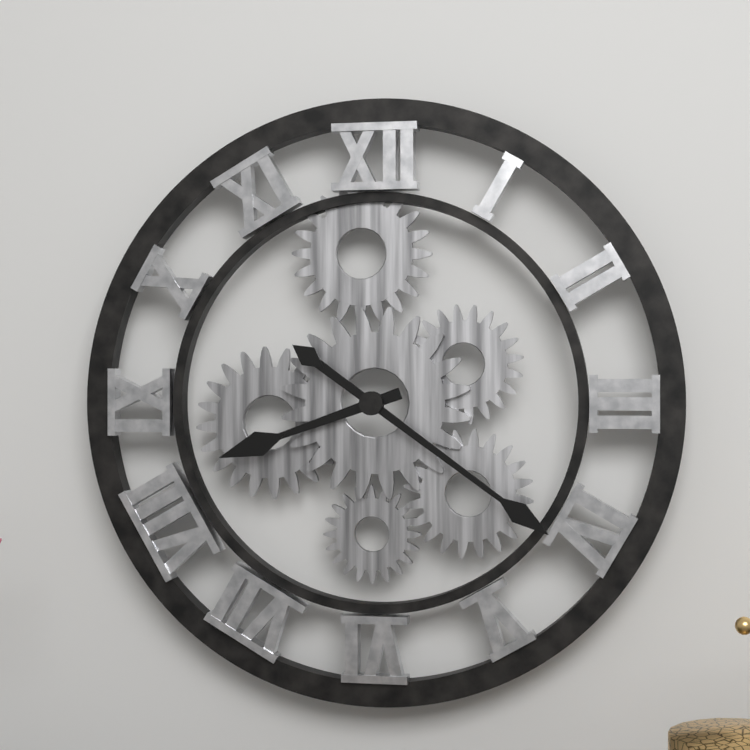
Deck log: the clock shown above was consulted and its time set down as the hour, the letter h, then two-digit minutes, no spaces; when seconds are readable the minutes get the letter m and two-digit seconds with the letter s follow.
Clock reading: 8h21
